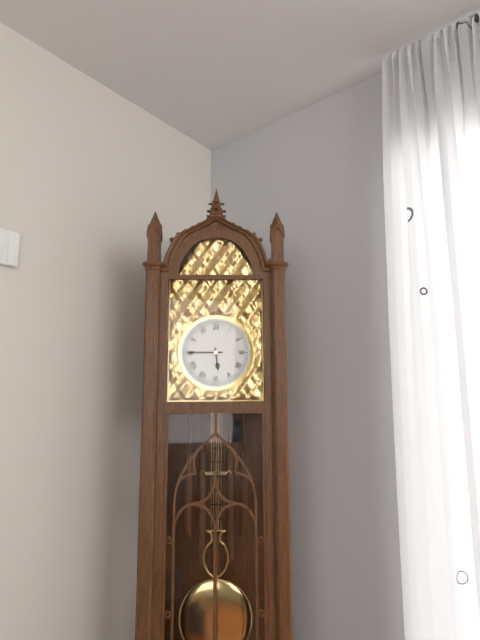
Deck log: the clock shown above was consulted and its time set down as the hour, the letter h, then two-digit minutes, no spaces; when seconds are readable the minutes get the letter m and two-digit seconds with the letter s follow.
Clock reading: 5h45
